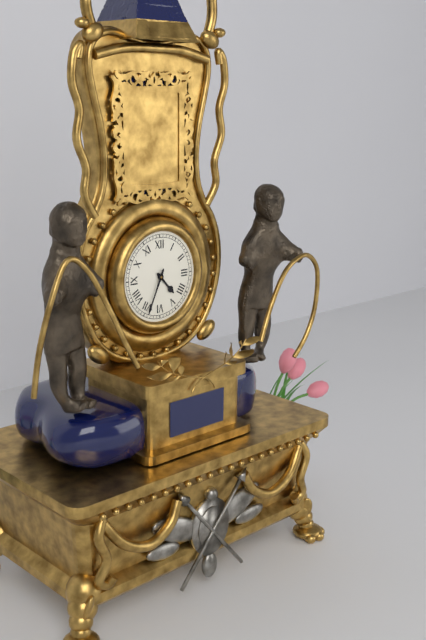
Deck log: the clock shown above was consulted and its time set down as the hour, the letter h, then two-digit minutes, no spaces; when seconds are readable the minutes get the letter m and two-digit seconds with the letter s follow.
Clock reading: 4h34
